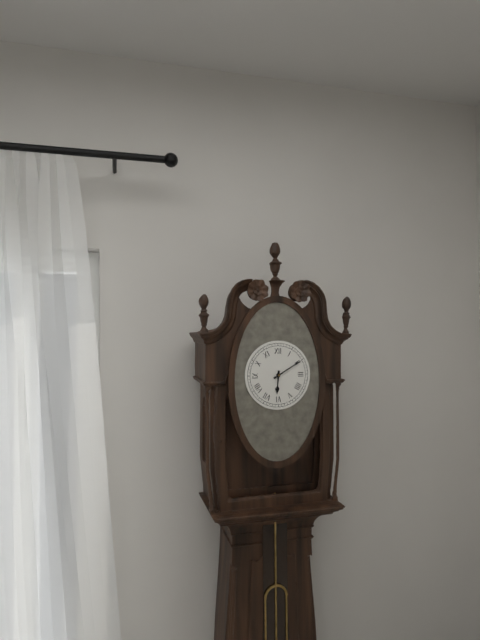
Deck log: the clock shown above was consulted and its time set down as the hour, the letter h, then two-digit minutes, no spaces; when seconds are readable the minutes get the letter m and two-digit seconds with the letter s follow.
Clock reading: 6h10
